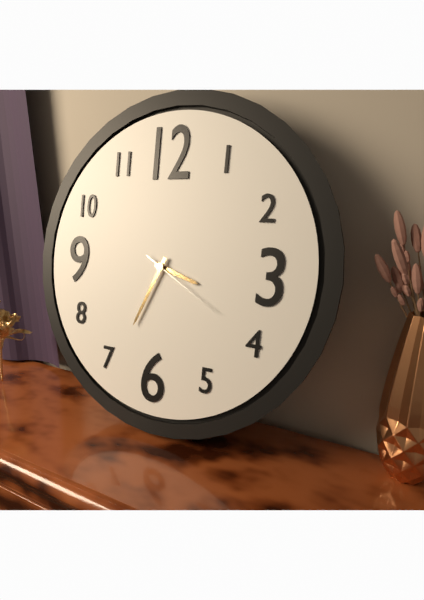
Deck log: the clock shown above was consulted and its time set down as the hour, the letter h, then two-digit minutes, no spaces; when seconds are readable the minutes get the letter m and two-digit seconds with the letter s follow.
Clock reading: 3h34m20s
